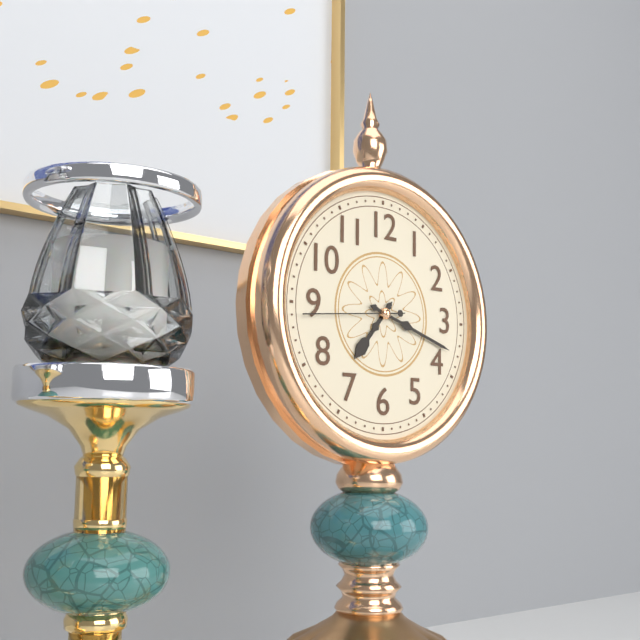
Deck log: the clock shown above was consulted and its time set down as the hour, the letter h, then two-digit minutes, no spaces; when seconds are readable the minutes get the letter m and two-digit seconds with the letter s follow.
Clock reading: 7h18m44s
